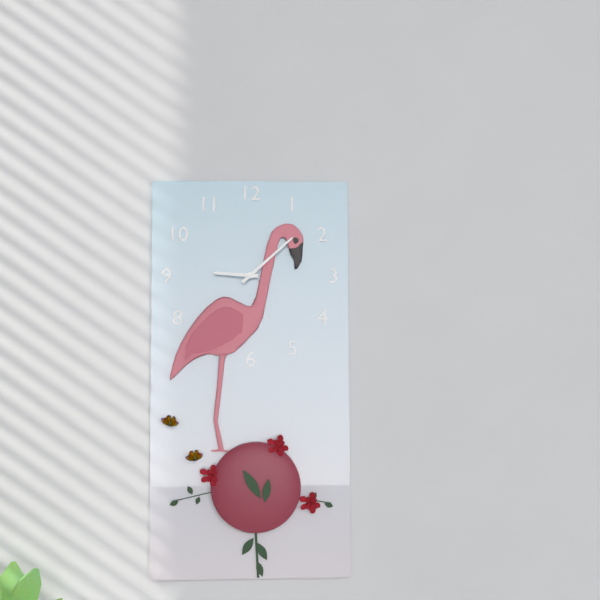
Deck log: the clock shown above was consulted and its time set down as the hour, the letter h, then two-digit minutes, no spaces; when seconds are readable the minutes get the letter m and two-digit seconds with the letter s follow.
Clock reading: 9h08
